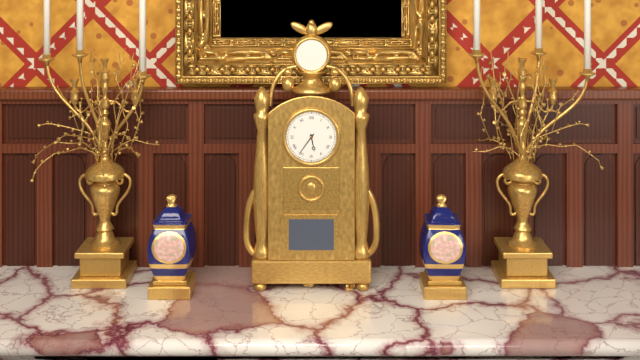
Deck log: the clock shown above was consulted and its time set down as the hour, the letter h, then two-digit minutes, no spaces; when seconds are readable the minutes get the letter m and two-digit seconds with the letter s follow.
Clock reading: 5h36
